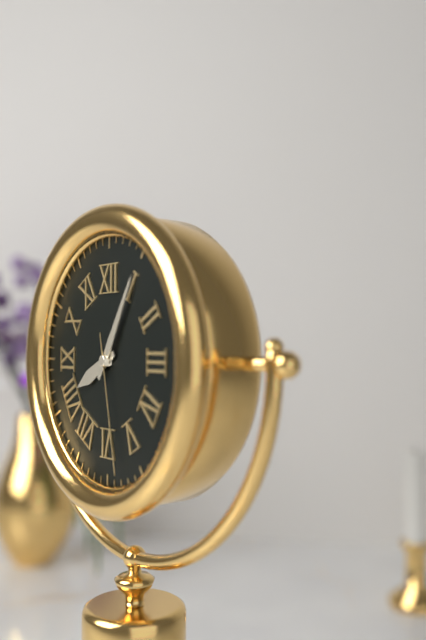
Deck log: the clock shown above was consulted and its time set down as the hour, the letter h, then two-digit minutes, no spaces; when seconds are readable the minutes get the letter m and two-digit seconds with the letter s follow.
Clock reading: 8h05m28s
